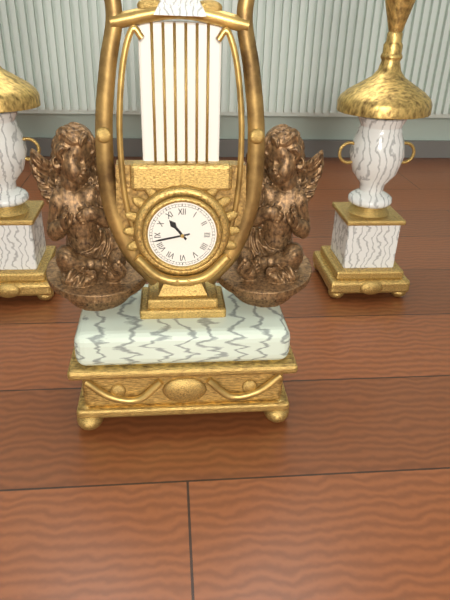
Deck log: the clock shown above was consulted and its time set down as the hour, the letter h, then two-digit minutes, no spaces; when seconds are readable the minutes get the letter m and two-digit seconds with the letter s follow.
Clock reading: 10h43
